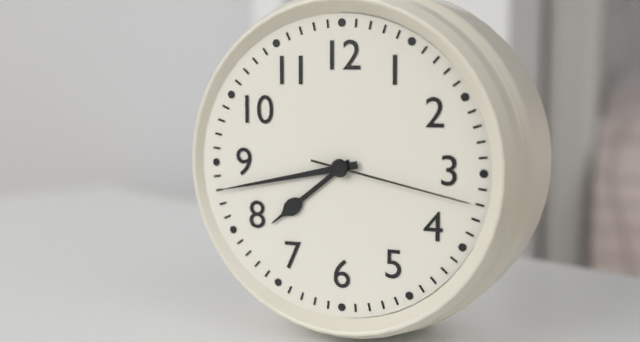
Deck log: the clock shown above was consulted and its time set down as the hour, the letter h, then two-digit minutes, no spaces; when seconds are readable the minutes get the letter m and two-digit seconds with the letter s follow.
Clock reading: 7h43m17s
